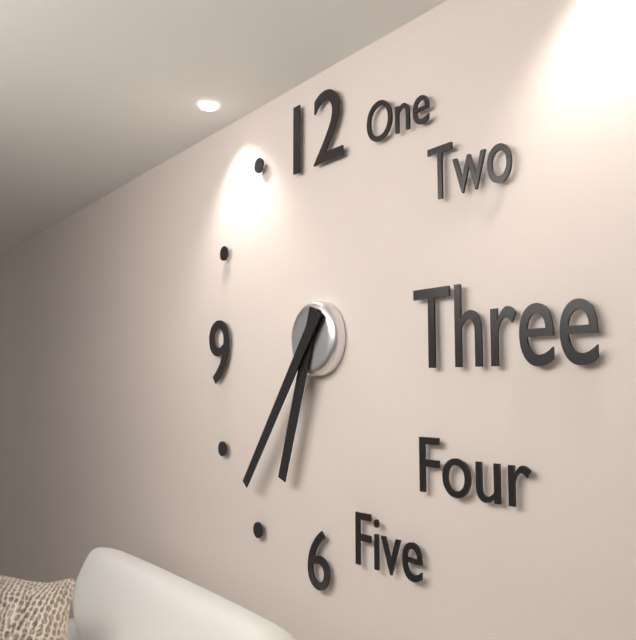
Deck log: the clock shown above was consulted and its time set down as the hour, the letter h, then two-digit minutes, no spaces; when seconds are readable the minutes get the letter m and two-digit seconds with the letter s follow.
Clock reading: 6h36
